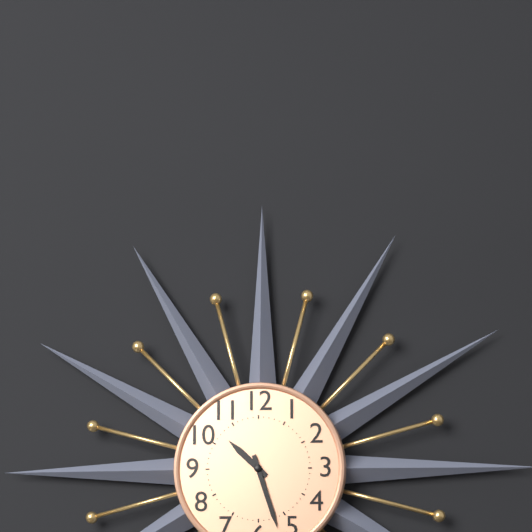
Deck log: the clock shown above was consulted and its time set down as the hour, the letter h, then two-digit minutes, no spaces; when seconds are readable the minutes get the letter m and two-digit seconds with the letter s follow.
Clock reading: 10h27
